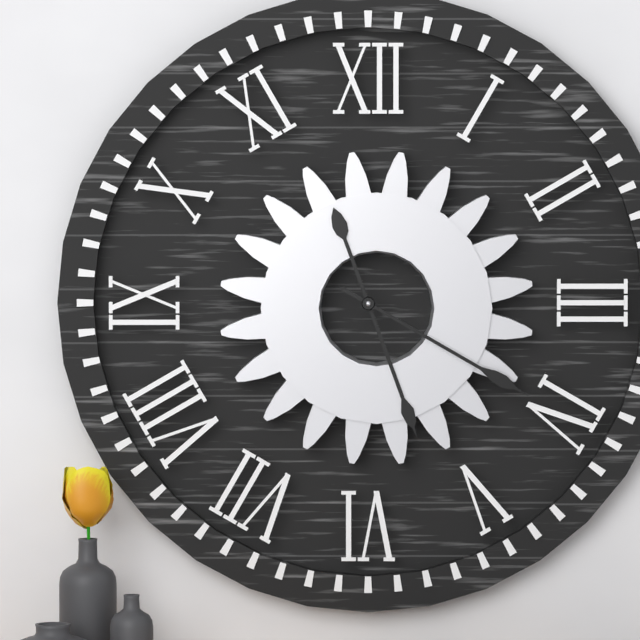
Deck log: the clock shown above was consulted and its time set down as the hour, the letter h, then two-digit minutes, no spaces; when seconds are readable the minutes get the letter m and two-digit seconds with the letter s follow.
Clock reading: 5h20
